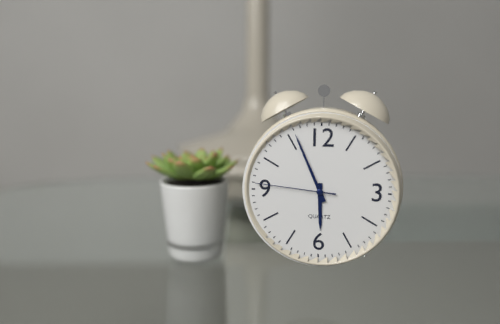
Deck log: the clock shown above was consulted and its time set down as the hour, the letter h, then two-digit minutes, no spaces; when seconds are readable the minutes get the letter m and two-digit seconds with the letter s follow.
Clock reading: 5h56m46s
